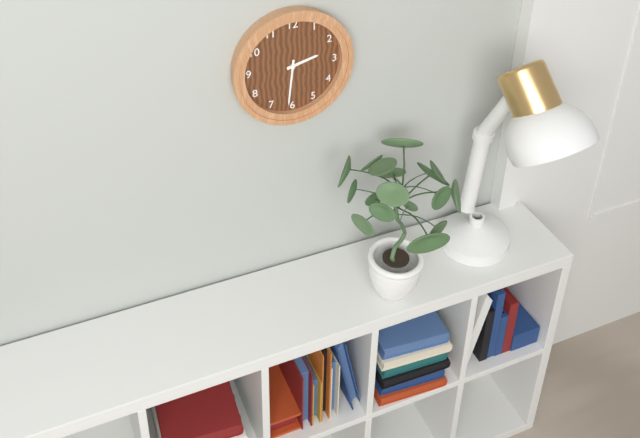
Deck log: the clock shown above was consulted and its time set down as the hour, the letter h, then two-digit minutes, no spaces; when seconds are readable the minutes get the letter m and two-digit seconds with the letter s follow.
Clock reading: 2h31
